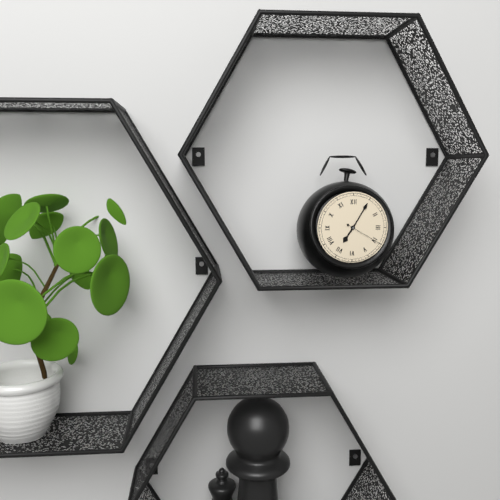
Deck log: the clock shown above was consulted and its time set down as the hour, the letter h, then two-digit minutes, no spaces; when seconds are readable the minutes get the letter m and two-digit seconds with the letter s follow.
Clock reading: 7h05
